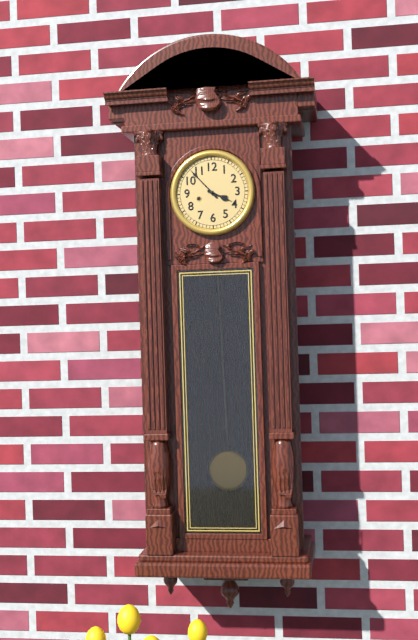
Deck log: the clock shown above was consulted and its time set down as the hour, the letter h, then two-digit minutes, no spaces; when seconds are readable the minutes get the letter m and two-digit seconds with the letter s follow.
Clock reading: 3h53
